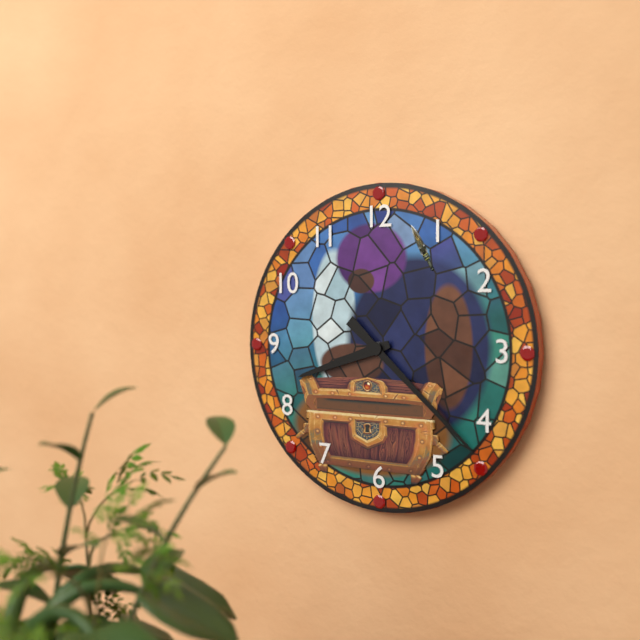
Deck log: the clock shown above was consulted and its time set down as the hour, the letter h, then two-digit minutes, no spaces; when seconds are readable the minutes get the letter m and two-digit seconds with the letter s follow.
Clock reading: 8h22
